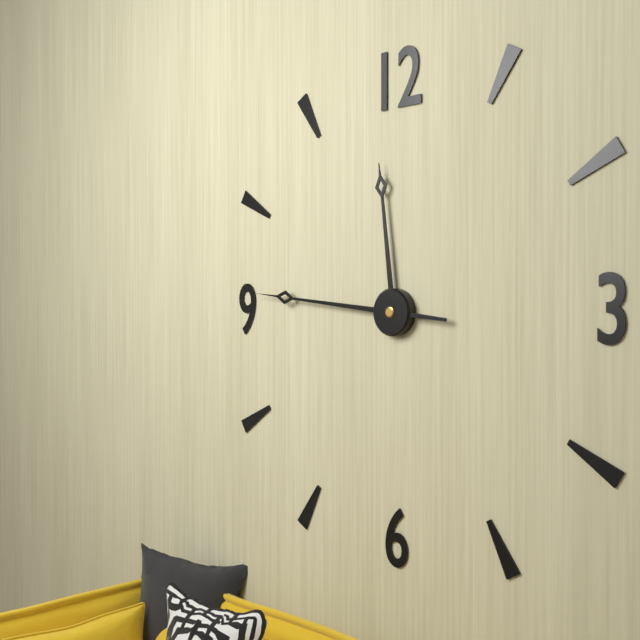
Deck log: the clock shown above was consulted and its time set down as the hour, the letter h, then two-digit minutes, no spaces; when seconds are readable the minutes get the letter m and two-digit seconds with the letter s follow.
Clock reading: 11h46
